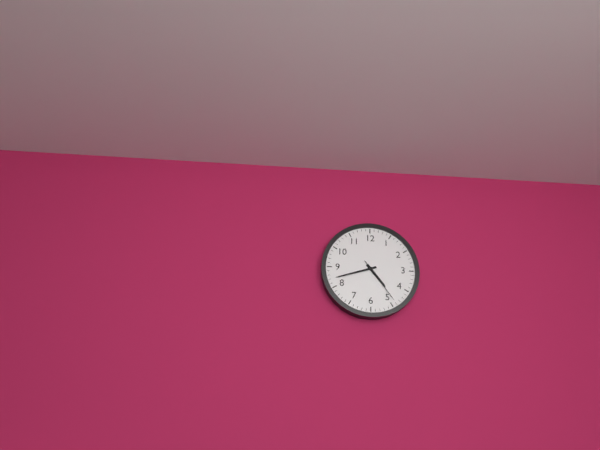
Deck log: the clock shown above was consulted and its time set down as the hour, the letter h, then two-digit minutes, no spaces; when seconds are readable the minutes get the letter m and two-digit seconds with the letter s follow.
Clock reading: 4h42m24s
